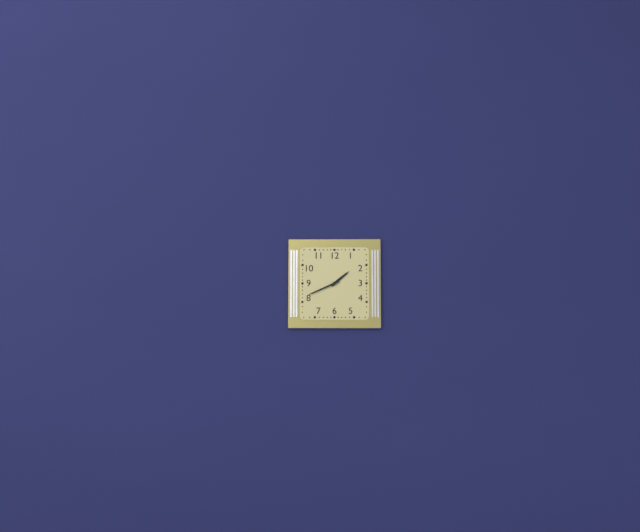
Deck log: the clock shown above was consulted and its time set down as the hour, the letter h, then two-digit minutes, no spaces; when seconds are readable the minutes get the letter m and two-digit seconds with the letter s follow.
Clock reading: 1h41
